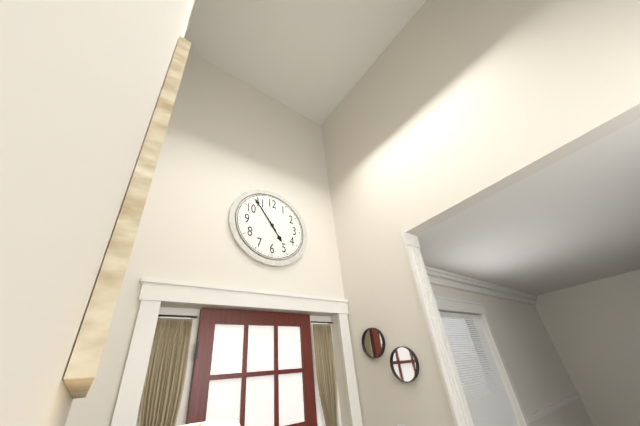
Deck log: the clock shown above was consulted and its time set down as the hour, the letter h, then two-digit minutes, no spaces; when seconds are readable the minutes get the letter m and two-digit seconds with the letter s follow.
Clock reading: 4h54
